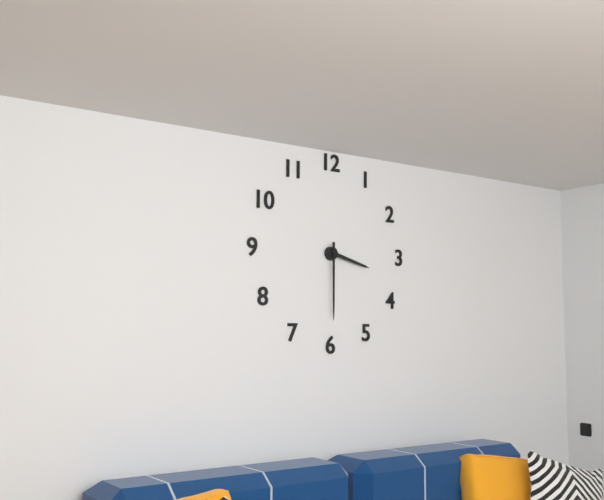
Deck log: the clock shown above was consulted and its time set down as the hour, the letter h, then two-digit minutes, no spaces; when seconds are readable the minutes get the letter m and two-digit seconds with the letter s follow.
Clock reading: 3h30
